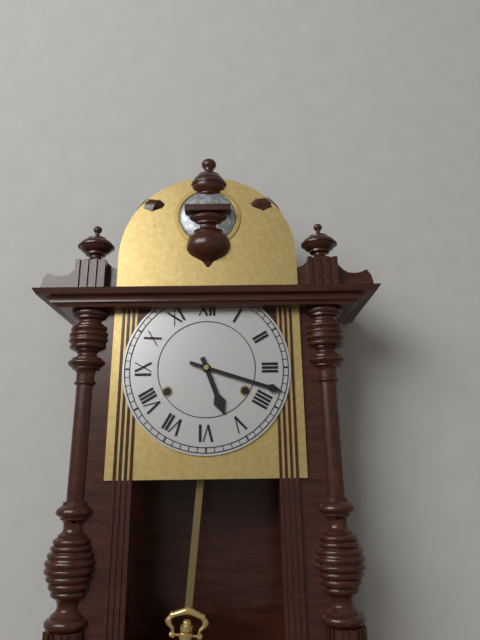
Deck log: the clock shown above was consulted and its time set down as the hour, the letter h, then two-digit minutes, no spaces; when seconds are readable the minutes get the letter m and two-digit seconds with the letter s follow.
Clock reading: 5h18
